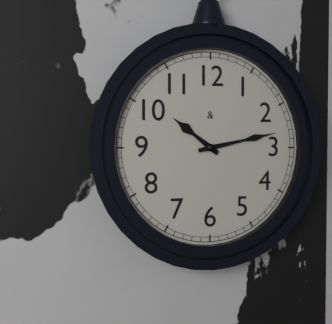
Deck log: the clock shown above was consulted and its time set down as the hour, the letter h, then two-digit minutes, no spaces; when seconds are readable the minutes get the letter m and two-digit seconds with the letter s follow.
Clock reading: 10h13
